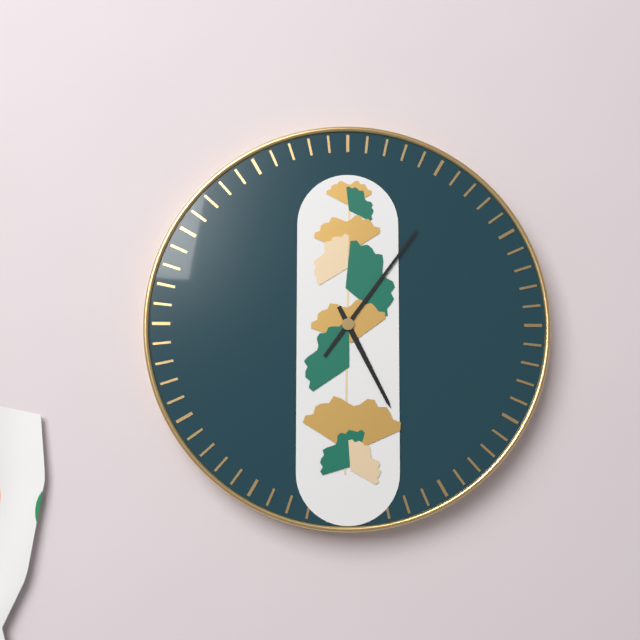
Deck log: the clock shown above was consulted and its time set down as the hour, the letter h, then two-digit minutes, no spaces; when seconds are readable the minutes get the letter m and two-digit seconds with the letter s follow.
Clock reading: 5h06
